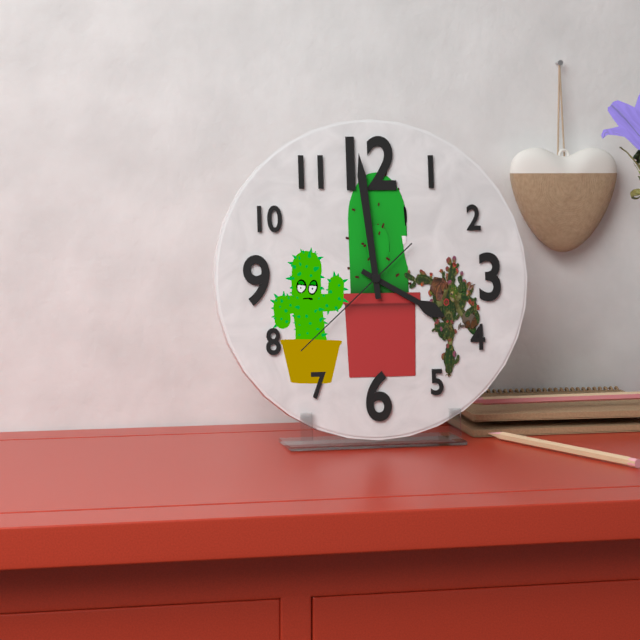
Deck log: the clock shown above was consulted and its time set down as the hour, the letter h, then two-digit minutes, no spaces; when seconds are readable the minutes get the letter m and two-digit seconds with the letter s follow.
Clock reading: 3h59m38s
